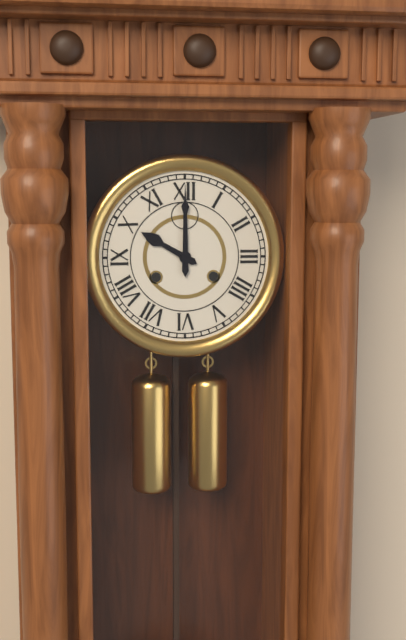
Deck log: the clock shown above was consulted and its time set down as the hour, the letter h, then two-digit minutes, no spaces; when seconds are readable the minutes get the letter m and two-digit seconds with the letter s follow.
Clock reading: 10h00
